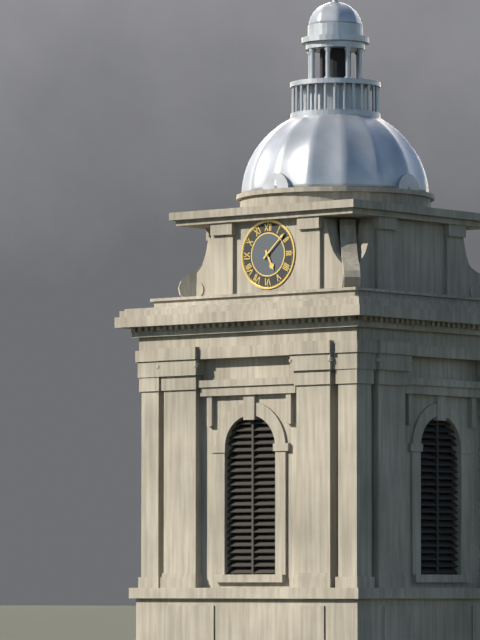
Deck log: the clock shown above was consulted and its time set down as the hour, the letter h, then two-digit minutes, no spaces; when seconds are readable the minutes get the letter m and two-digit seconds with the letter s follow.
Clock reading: 5h08
